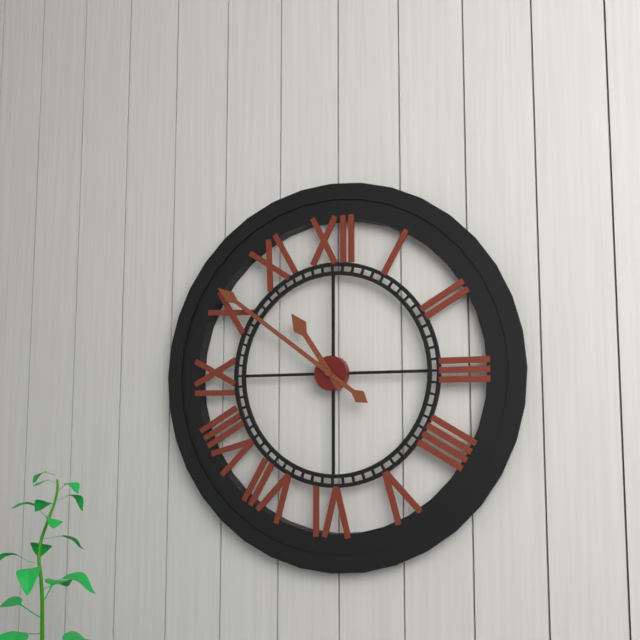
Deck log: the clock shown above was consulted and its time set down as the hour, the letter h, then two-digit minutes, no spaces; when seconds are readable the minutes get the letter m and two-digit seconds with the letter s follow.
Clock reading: 10h51
